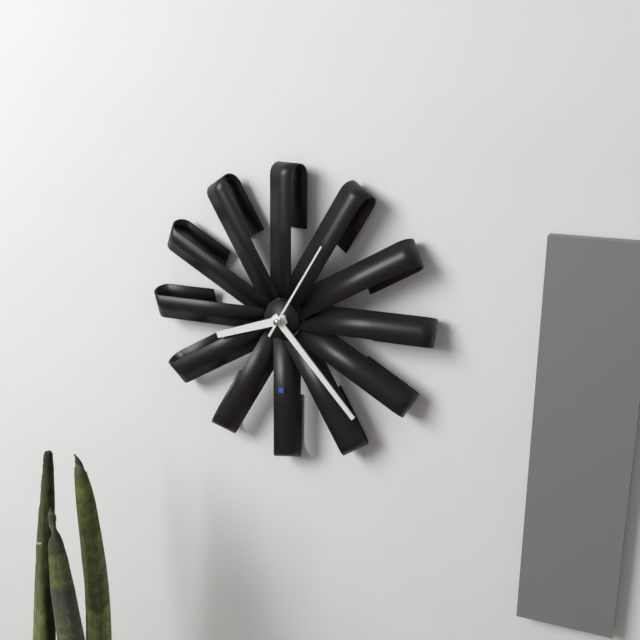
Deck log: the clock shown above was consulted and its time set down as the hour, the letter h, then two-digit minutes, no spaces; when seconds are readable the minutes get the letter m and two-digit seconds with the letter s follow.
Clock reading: 8h23m05s
